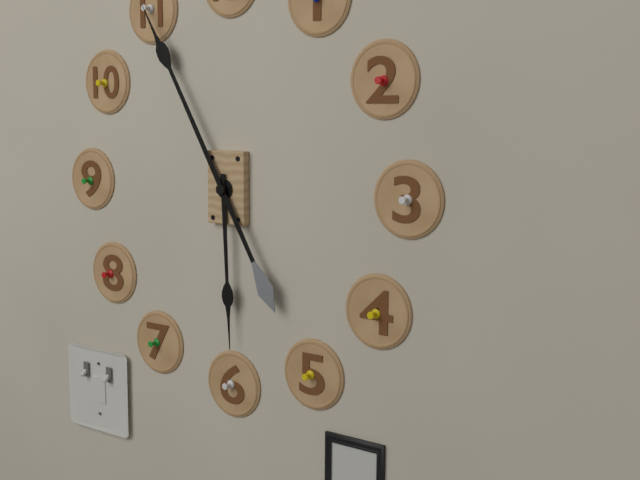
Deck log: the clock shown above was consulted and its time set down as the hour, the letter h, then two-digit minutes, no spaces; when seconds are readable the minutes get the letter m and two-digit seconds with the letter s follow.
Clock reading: 5h55
